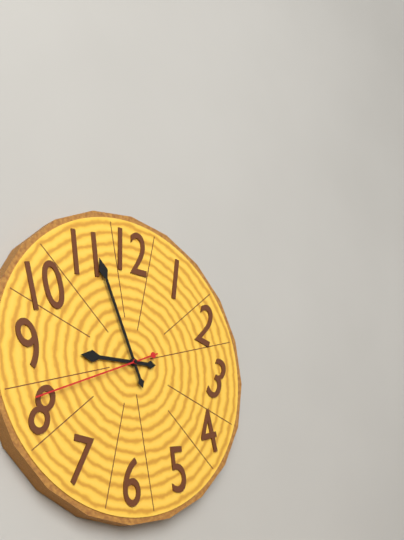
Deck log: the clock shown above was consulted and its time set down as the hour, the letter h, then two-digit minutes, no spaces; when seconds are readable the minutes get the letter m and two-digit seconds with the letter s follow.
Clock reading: 8h56m41s
